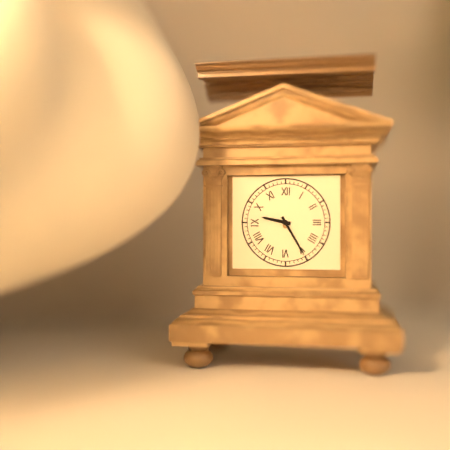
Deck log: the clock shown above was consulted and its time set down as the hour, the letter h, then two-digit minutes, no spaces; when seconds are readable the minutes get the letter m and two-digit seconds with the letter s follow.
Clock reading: 9h25
